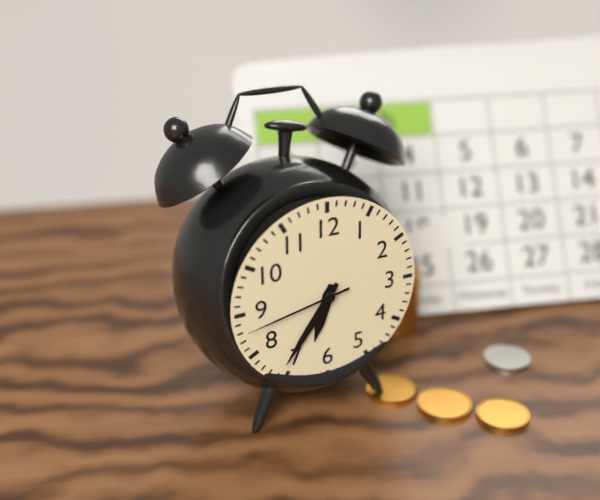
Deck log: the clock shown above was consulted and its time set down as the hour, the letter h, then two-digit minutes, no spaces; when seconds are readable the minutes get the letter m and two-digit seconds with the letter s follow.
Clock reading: 6h36m43s
